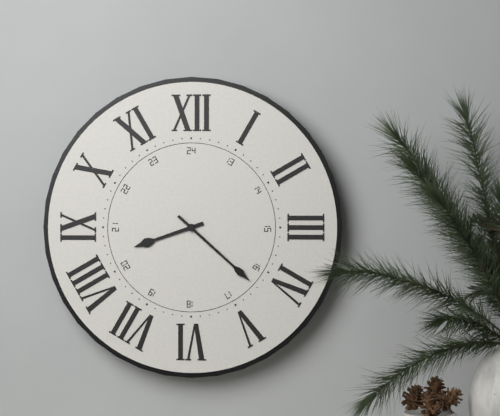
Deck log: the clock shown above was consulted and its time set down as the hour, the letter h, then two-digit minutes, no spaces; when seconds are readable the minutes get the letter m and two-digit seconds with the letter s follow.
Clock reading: 8h22
